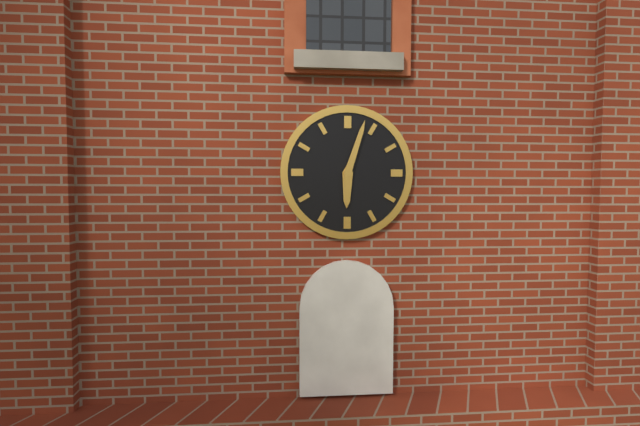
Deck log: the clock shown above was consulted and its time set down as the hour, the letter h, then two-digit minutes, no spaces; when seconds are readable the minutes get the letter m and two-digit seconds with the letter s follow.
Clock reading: 6h03
